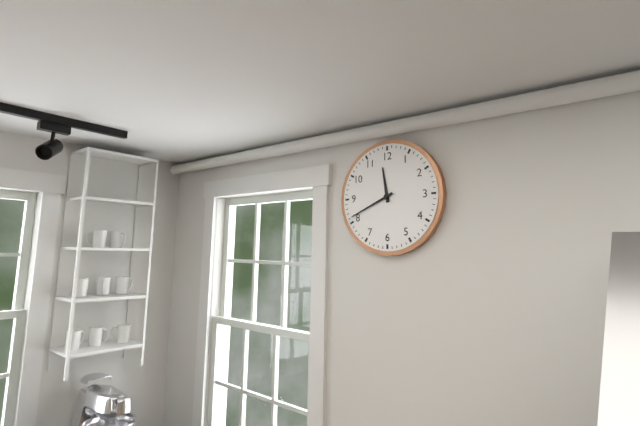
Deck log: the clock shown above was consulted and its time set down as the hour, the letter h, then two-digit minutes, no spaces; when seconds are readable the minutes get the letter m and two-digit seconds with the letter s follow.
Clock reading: 11h41
